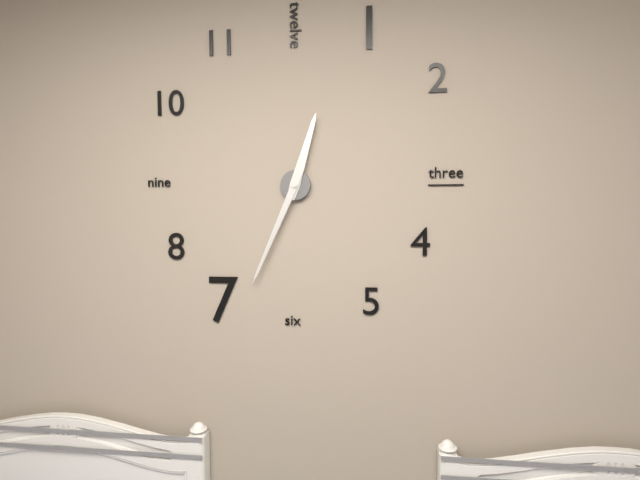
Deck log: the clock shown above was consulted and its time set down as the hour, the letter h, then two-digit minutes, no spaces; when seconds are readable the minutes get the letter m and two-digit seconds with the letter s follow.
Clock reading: 12h34
